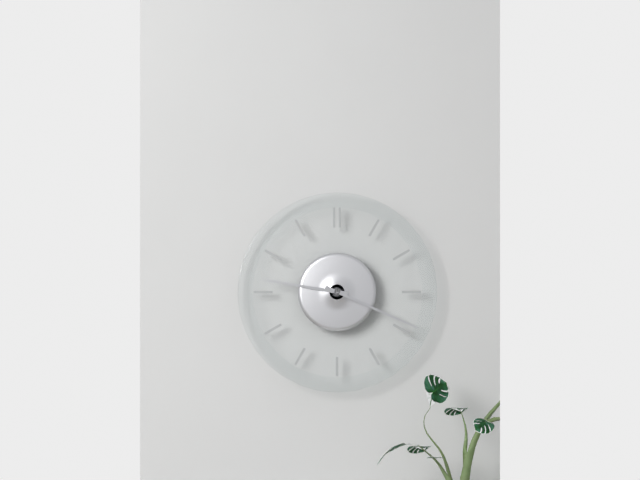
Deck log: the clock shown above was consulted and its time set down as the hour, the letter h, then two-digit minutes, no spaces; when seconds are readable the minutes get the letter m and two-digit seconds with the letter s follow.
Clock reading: 9h19
